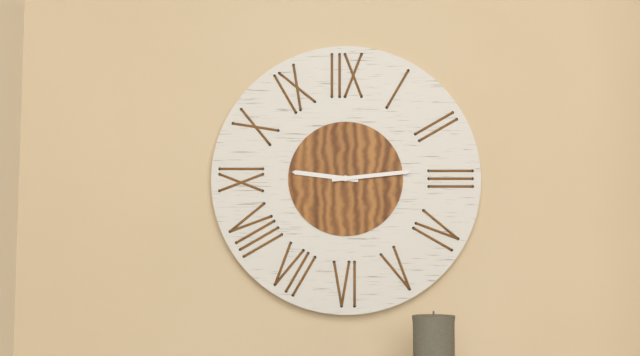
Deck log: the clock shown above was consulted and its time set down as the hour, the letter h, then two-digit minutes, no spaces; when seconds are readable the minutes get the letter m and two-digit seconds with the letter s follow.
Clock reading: 9h14
